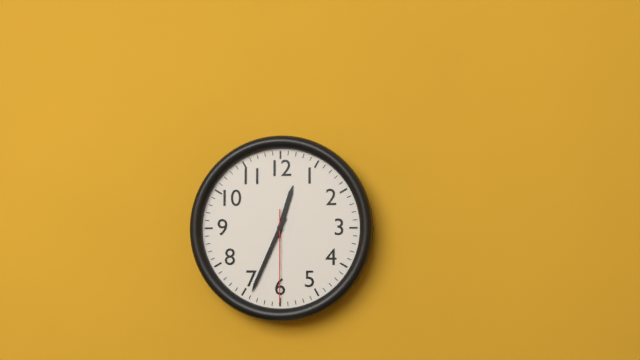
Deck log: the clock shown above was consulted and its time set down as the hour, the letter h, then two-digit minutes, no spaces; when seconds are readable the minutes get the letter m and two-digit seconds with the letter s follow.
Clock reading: 12h34m30s
